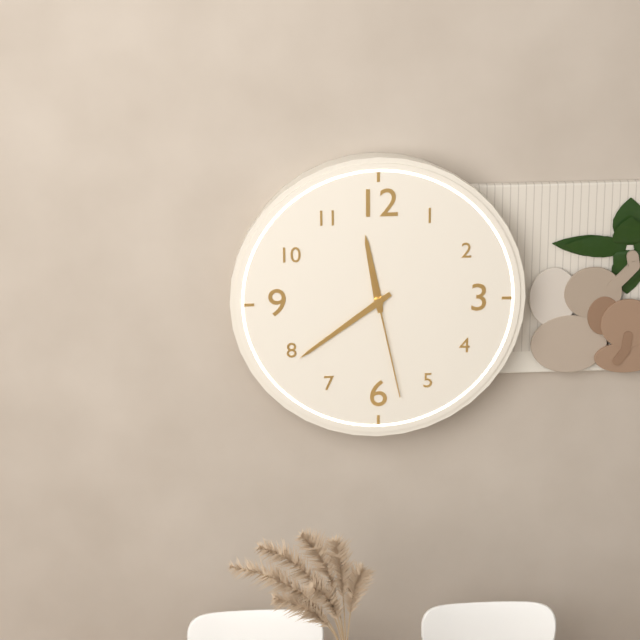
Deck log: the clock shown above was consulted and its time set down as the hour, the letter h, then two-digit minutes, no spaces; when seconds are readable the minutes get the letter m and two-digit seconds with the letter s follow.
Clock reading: 11h39m28s
